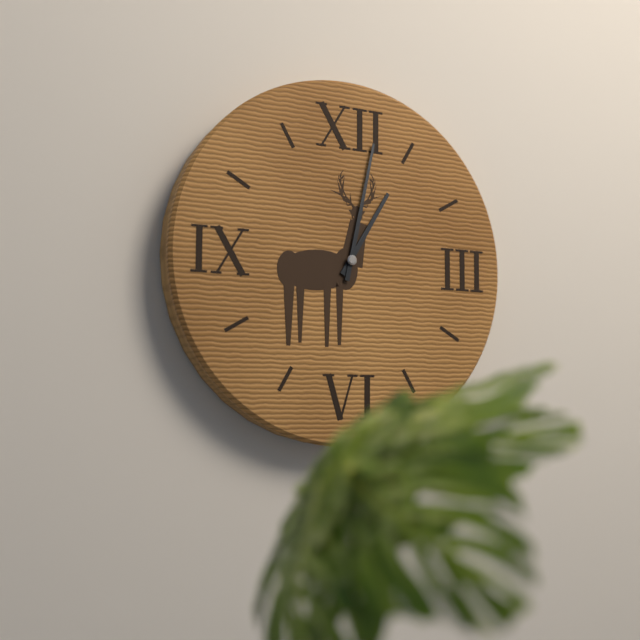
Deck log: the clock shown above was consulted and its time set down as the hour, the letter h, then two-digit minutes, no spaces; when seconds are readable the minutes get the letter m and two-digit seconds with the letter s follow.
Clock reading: 1h02
